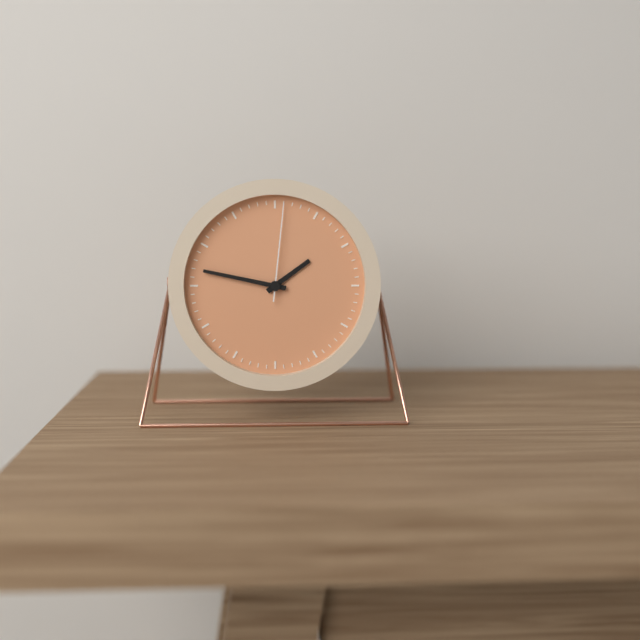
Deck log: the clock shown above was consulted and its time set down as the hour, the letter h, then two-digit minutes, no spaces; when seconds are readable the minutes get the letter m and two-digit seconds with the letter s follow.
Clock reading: 1h47m01s
